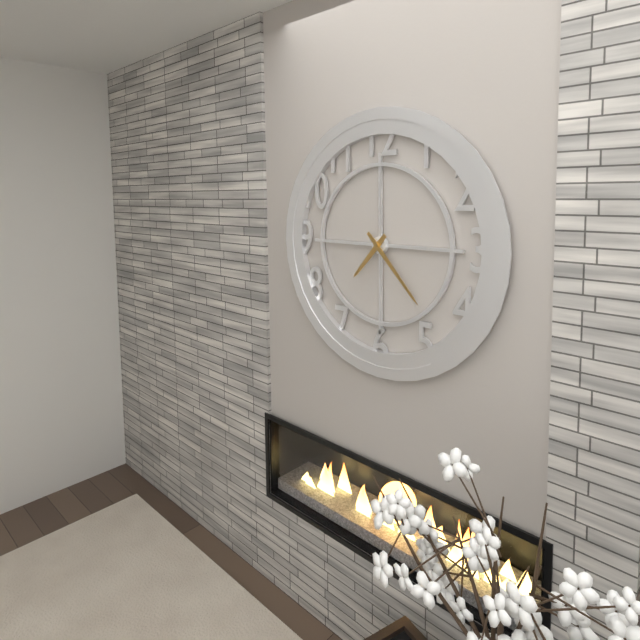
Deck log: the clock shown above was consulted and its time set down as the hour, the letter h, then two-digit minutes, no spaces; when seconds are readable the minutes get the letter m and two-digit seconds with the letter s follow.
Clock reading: 7h23
